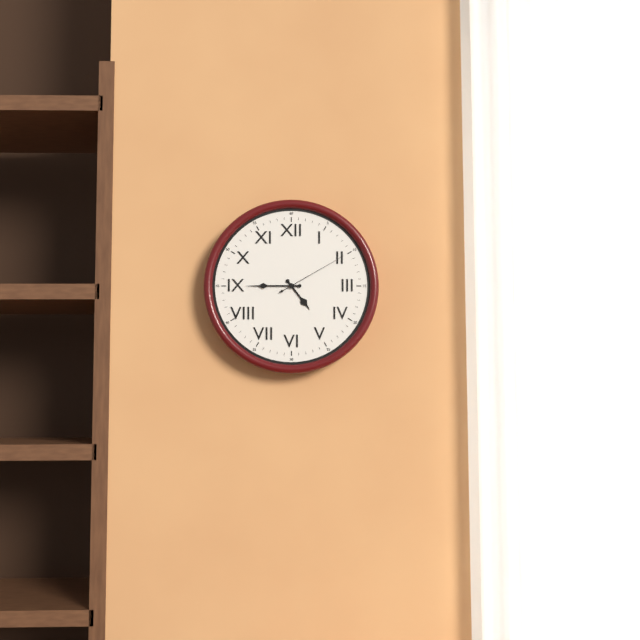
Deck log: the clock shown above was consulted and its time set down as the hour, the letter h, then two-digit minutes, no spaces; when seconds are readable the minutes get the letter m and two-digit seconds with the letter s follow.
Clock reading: 4h45m10s
